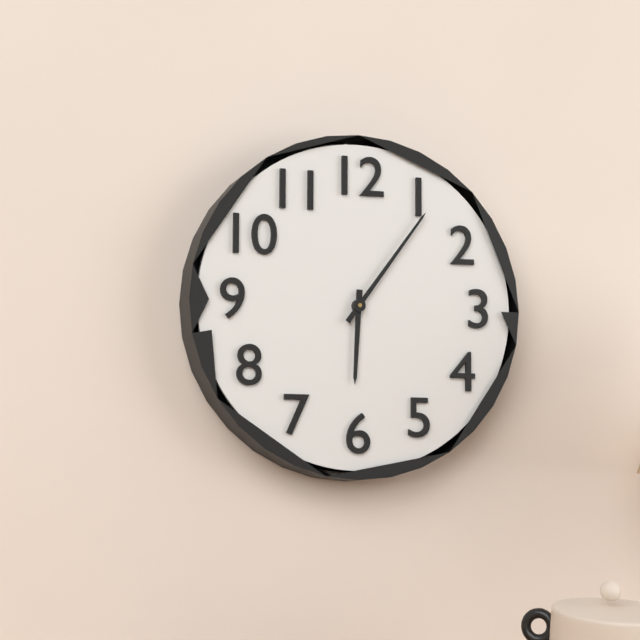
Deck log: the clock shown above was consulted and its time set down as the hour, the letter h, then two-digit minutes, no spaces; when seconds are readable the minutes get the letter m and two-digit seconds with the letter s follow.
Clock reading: 6h06
